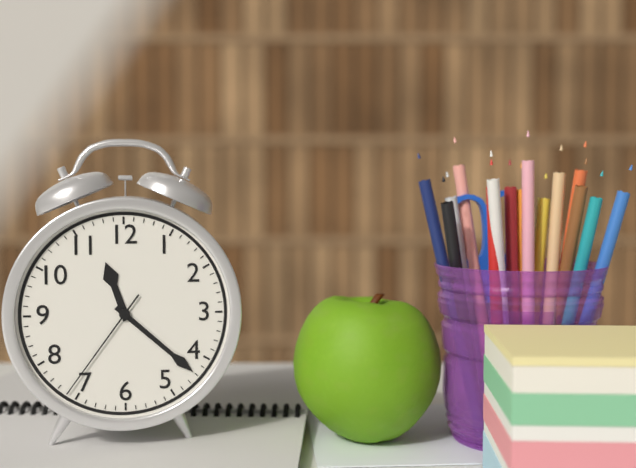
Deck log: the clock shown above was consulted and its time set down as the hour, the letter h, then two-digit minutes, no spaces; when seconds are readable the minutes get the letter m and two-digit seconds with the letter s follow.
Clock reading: 11h22m36s
